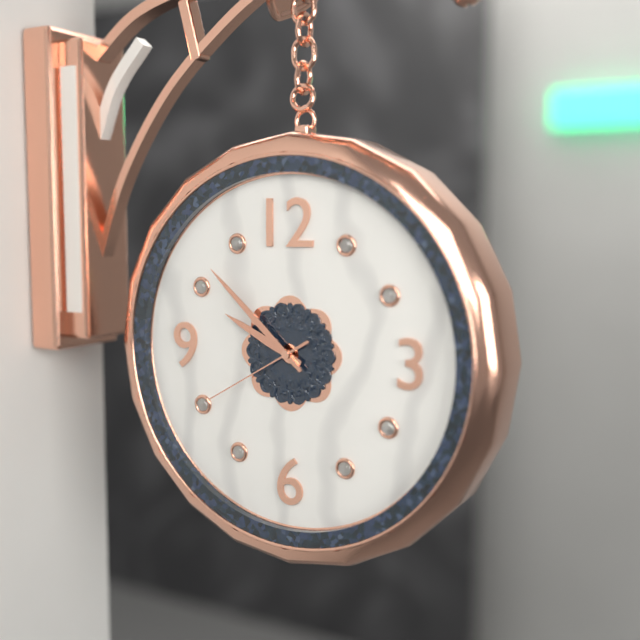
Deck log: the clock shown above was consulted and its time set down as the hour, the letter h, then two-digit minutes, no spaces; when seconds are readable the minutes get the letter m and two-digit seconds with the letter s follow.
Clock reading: 9h52m40s
